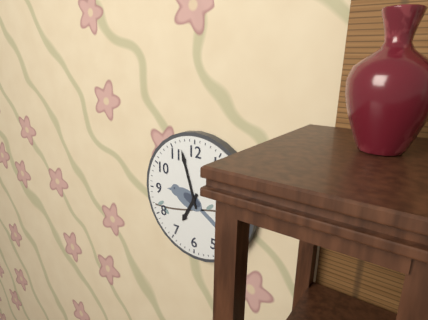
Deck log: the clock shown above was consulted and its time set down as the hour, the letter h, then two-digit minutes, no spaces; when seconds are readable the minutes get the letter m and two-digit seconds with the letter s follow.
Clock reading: 6h57
